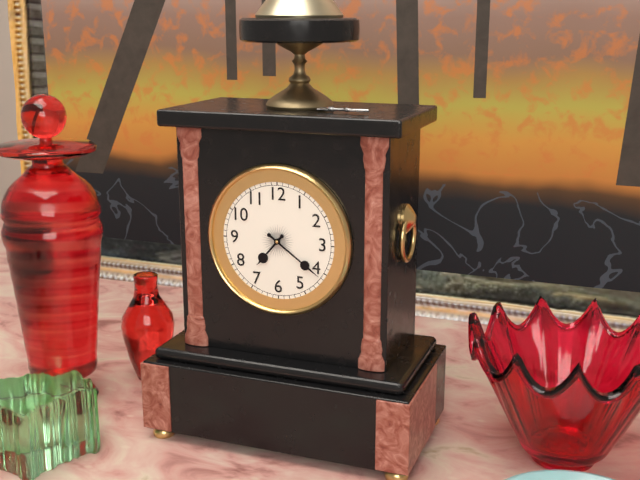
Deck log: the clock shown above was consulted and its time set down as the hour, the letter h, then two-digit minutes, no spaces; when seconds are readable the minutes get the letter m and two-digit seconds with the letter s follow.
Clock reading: 7h21
